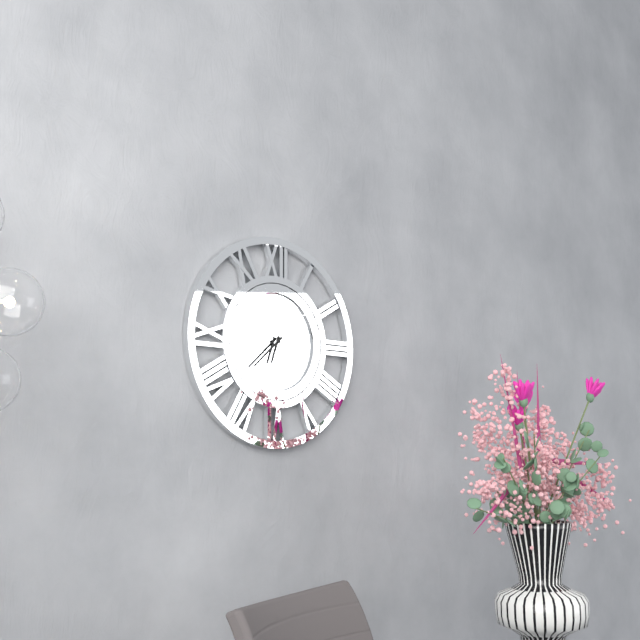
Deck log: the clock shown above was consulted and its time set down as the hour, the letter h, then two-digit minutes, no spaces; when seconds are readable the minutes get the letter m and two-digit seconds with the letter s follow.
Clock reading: 6h38
